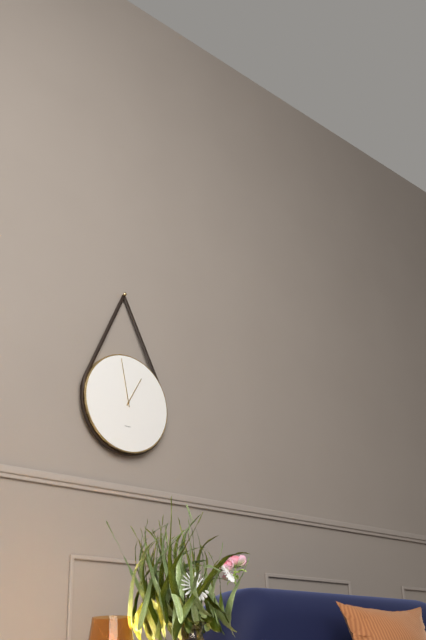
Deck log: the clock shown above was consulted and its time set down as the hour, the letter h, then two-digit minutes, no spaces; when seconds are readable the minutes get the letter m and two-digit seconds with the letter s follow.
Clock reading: 12h58
